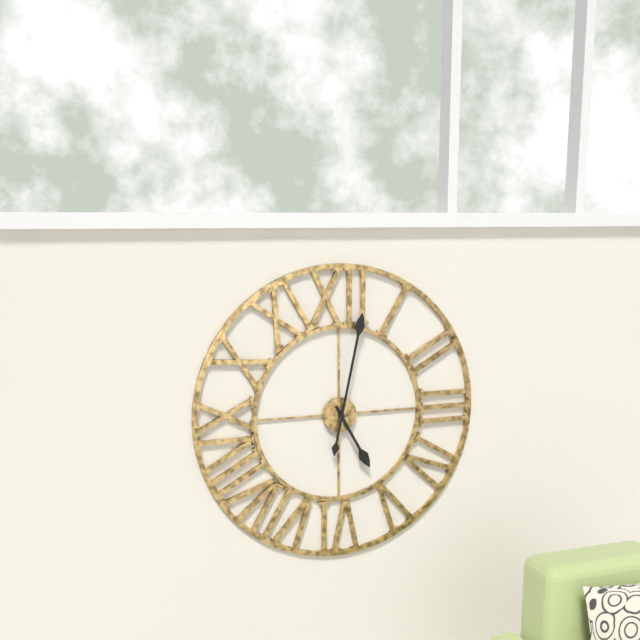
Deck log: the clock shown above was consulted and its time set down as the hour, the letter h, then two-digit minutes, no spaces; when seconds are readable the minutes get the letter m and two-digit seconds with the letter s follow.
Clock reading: 5h02
